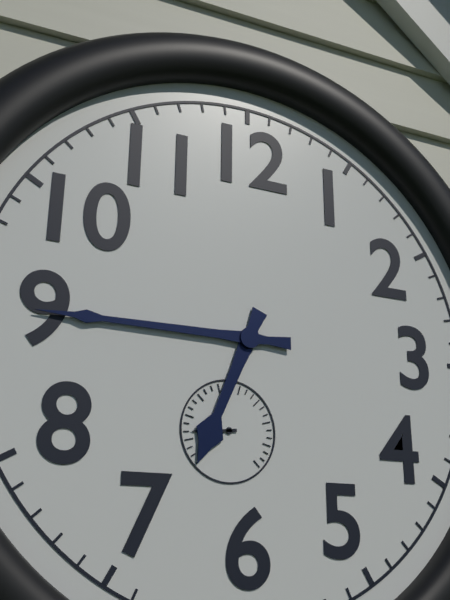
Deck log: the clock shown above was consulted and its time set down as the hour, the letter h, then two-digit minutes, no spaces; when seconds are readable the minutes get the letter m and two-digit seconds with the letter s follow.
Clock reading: 6h45
